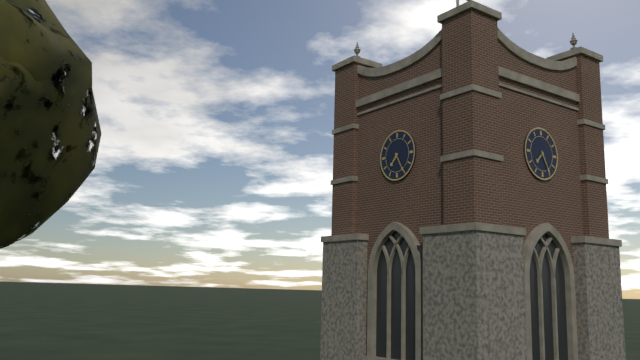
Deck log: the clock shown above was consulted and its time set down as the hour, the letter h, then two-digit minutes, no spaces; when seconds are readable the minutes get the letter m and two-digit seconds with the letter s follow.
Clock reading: 7h25
